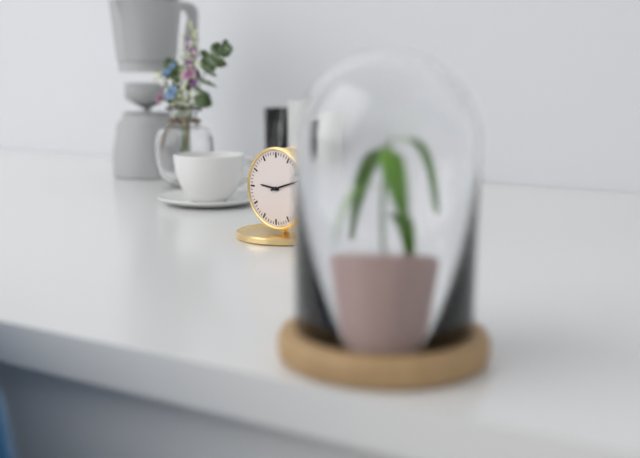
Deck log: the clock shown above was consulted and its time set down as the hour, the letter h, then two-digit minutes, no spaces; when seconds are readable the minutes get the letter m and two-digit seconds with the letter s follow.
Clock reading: 9h12
